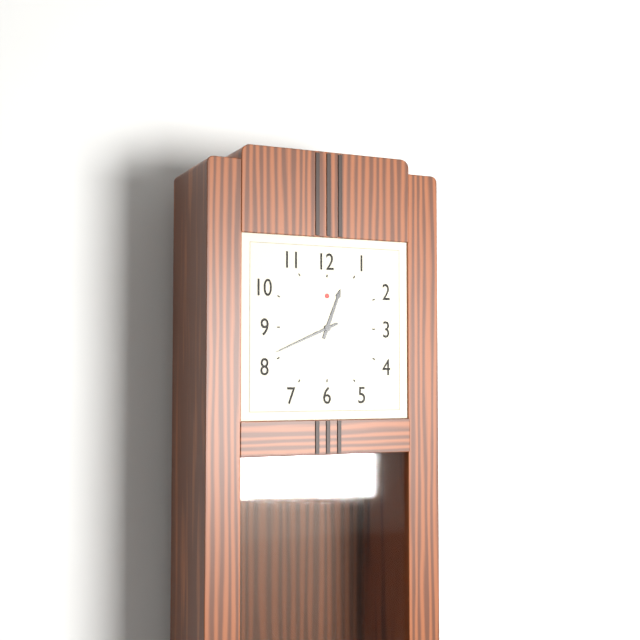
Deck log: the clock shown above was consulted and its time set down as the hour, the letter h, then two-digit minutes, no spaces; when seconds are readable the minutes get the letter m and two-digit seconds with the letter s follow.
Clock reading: 12h41
